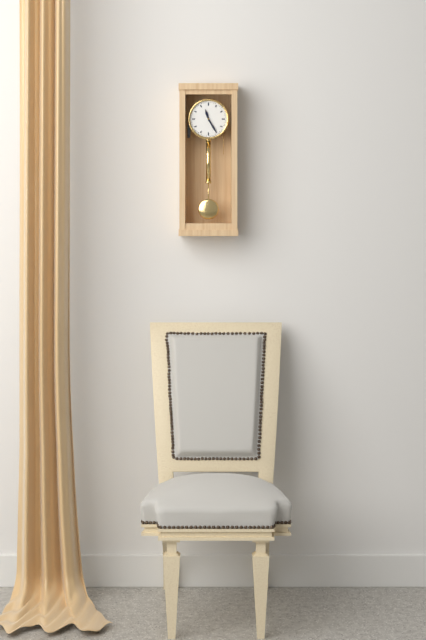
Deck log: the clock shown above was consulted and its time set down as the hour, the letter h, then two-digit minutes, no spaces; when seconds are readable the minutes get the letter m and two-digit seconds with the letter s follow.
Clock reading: 11h25
